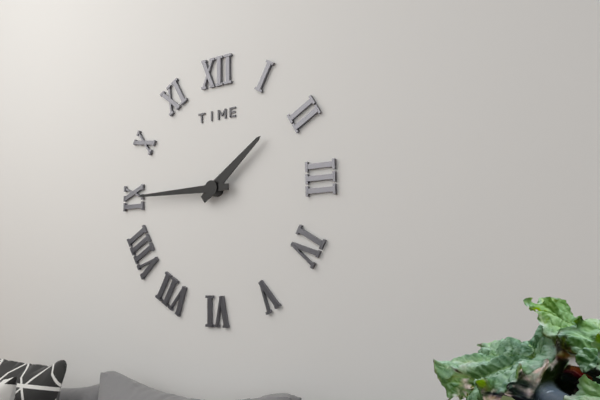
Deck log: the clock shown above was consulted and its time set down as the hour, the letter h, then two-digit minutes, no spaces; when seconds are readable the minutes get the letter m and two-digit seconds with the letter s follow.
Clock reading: 1h45
